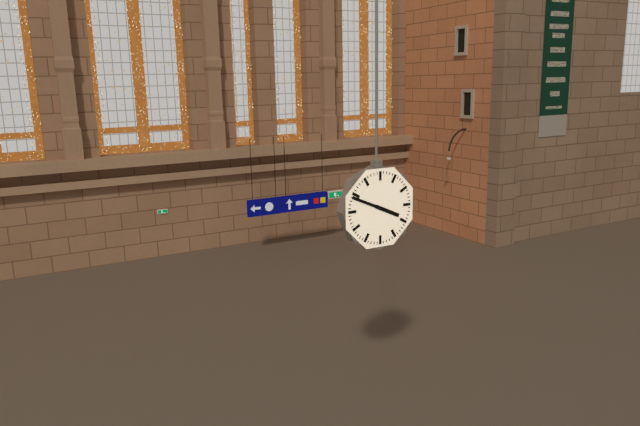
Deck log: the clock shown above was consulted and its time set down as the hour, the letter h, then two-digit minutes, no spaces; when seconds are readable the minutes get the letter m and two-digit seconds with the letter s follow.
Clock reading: 3h49
